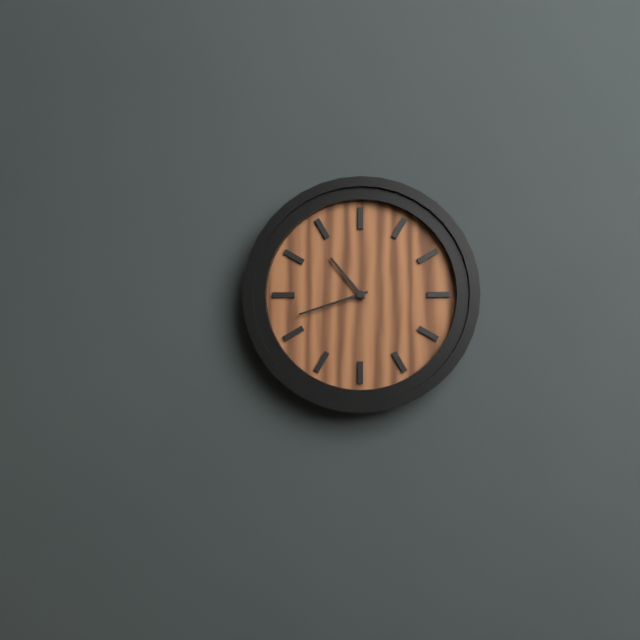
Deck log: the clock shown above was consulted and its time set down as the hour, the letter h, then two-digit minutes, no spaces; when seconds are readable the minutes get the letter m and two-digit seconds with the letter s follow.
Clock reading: 10h42
